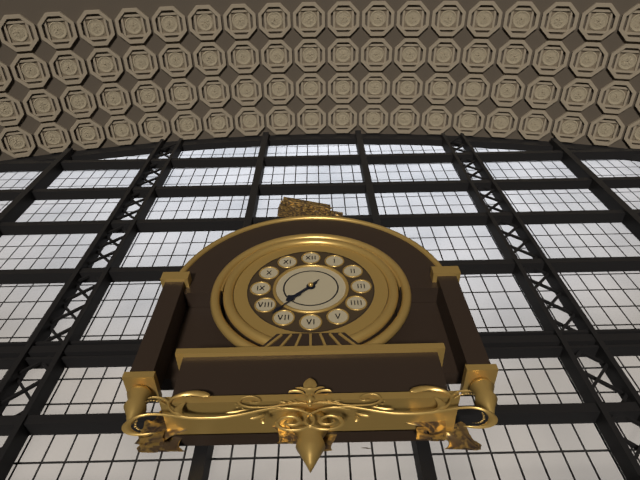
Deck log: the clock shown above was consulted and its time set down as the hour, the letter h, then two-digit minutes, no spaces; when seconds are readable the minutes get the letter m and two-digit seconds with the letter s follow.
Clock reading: 7h37
